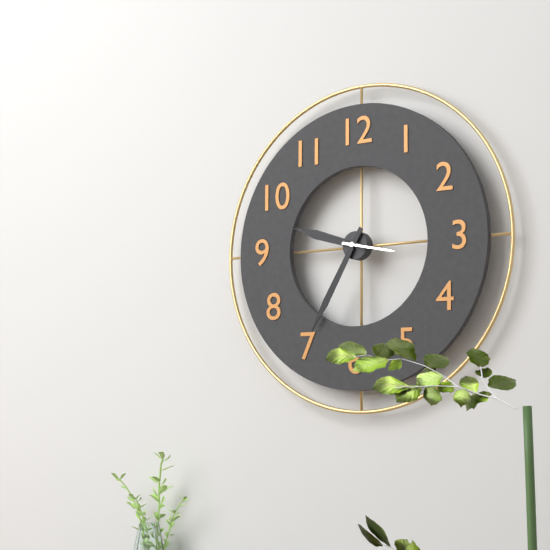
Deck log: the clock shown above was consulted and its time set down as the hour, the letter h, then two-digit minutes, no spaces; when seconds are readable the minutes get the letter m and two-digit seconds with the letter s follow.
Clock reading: 9h35m17s
